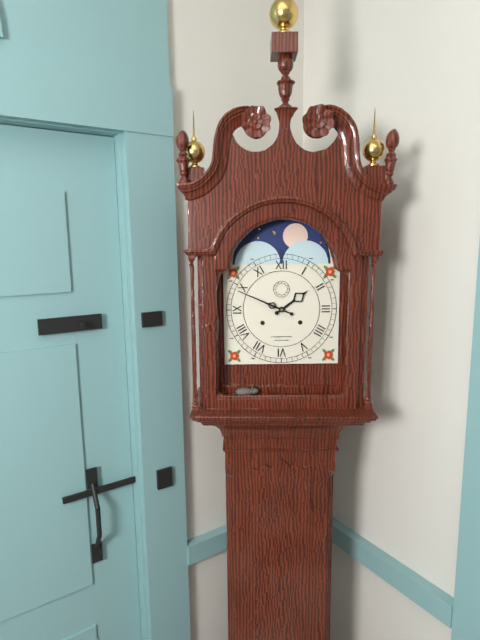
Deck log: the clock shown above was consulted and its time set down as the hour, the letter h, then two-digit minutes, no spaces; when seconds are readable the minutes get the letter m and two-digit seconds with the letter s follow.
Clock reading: 1h49
